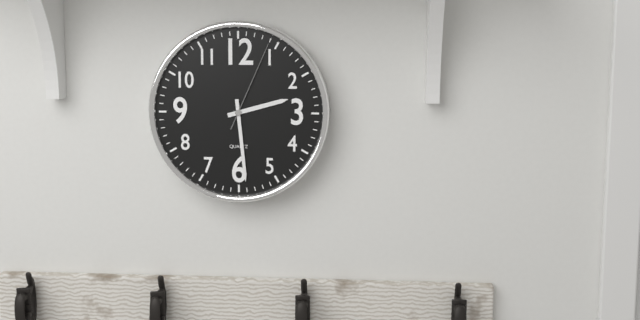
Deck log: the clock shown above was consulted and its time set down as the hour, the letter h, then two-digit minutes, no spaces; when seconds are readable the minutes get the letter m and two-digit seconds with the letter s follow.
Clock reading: 2h29m04s
